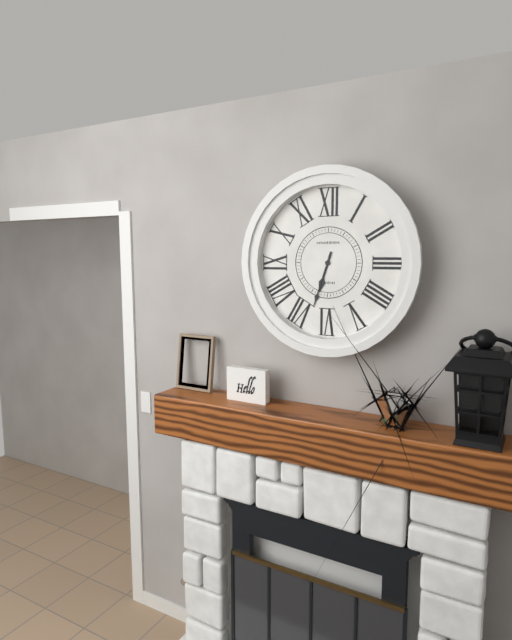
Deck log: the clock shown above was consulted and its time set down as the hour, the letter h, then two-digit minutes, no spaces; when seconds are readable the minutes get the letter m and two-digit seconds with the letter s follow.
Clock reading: 6h33
